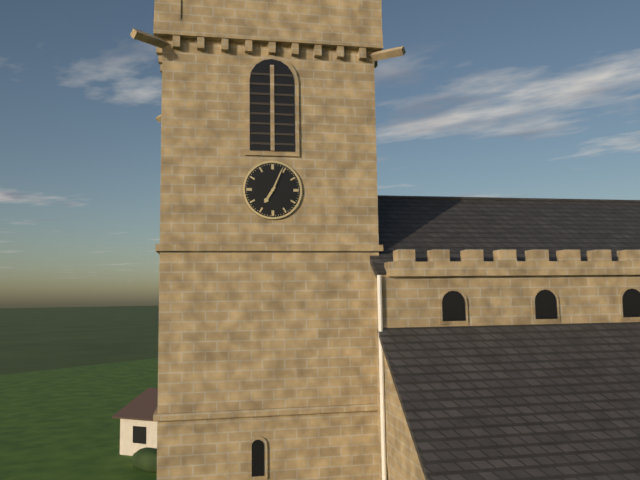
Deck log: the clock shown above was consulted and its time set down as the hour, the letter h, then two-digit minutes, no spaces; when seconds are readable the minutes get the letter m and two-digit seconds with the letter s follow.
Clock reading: 7h04
